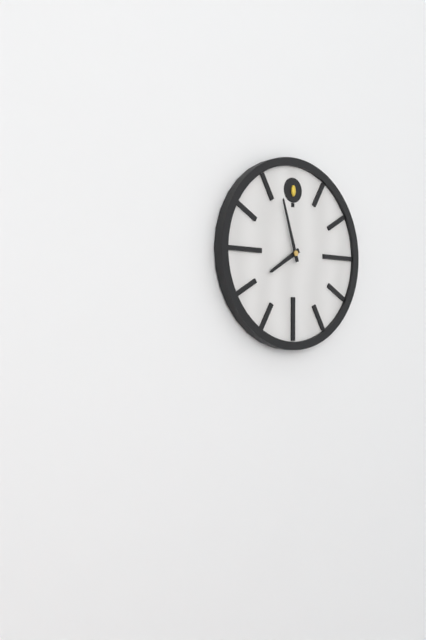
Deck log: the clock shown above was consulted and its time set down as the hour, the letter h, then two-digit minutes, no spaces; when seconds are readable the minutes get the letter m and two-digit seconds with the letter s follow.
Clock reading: 7h57
